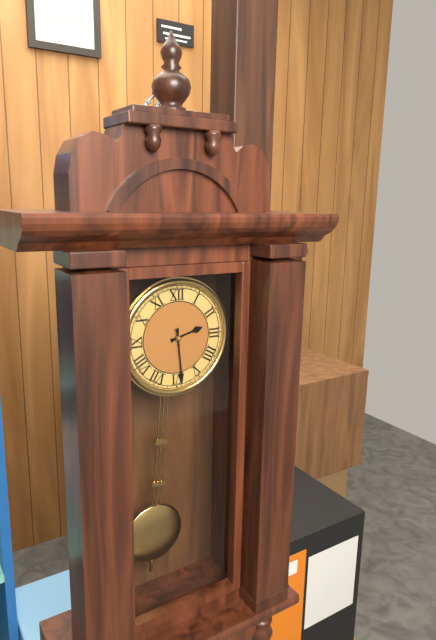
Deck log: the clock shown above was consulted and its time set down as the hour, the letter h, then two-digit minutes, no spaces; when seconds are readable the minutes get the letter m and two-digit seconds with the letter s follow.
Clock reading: 2h29
